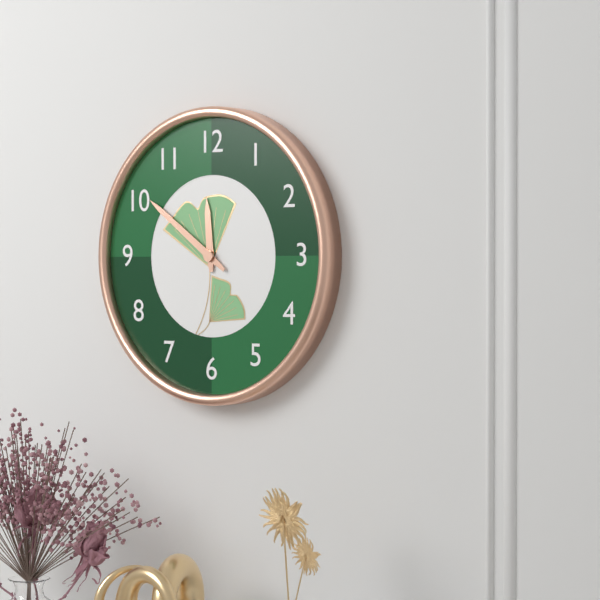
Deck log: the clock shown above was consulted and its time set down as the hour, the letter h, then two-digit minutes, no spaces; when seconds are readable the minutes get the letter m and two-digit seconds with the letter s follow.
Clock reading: 11h51
